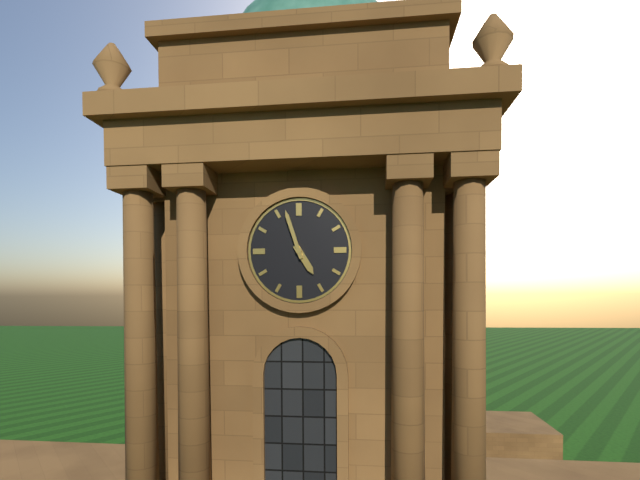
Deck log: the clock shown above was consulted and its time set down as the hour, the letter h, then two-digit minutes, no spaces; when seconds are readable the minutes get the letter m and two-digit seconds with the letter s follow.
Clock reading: 4h57
